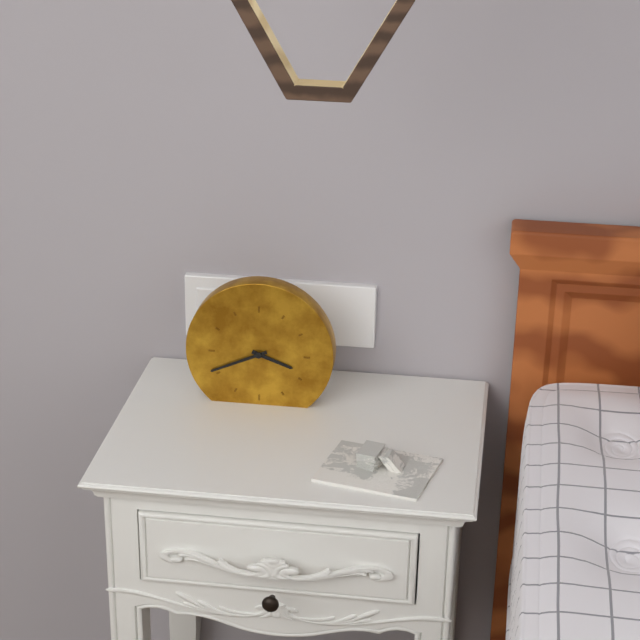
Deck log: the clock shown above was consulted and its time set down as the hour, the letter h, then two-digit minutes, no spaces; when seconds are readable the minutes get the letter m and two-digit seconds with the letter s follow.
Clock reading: 3h41
